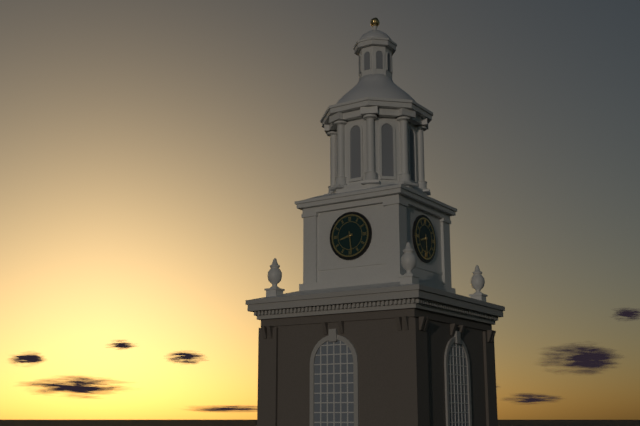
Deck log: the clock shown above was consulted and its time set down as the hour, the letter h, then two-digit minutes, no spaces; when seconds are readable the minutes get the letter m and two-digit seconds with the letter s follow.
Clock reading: 8h29
